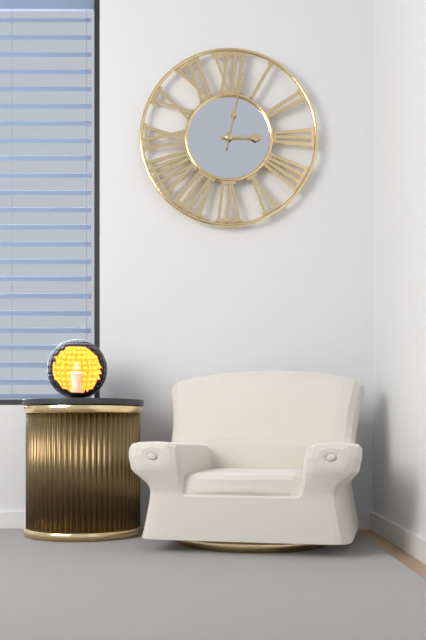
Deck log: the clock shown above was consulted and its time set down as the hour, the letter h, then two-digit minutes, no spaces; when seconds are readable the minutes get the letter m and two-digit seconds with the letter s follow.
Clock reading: 3h02
